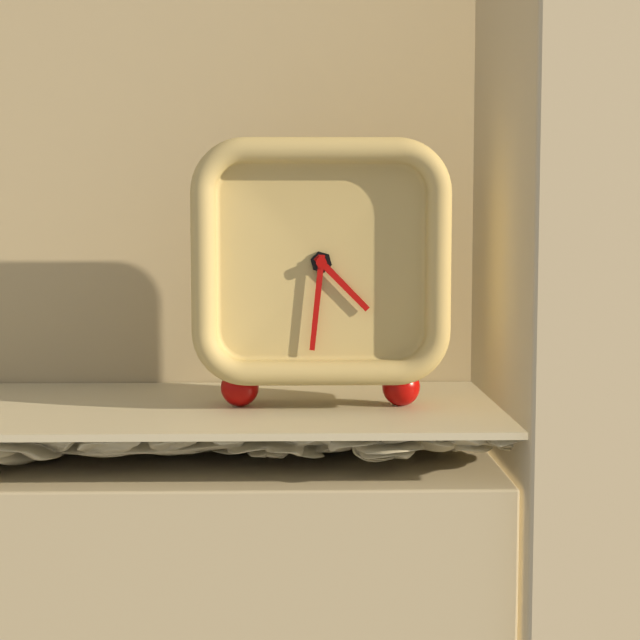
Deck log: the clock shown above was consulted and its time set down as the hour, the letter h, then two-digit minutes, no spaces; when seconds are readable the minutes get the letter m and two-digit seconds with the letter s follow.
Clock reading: 4h31
